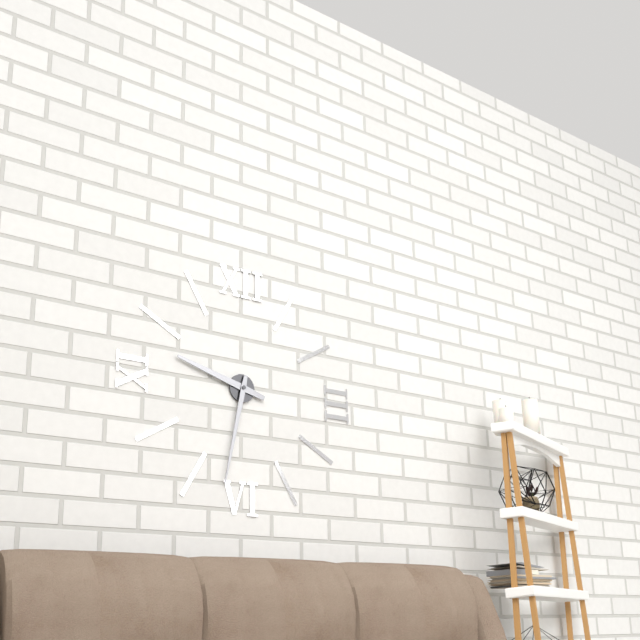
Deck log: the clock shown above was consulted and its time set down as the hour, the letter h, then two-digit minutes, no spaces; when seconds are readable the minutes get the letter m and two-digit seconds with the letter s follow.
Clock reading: 9h32
